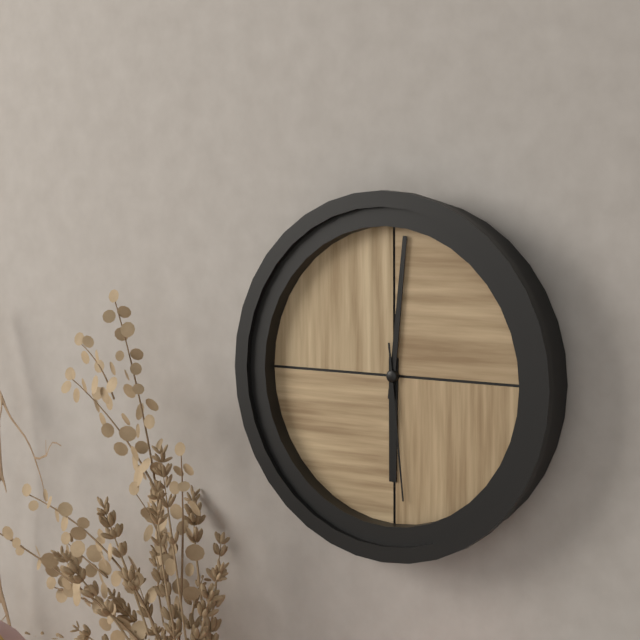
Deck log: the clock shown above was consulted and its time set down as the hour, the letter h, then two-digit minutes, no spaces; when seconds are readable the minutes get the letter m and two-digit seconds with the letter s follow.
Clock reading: 6h01m29s
